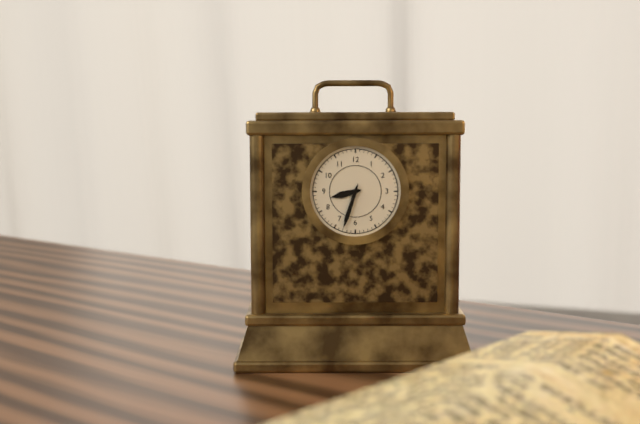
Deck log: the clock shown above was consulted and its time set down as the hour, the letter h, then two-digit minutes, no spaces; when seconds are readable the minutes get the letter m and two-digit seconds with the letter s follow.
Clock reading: 8h33
